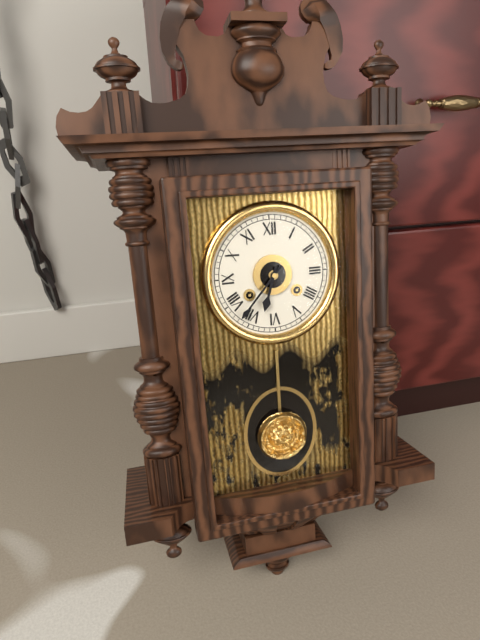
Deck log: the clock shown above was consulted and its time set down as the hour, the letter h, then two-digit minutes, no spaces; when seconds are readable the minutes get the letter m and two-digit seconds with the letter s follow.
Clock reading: 6h37
